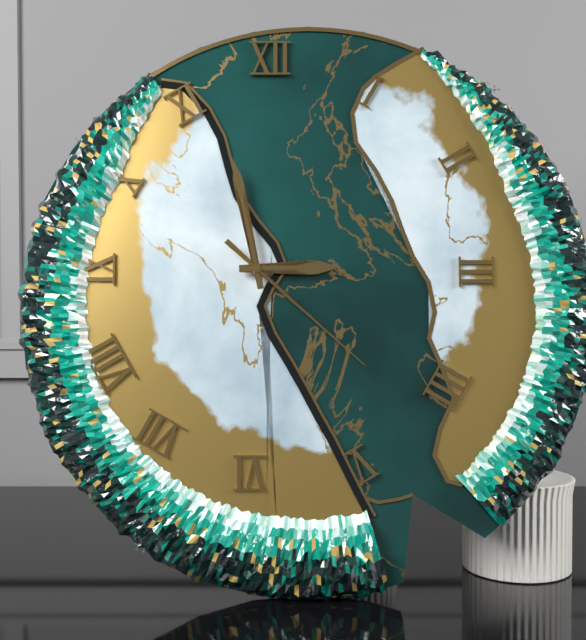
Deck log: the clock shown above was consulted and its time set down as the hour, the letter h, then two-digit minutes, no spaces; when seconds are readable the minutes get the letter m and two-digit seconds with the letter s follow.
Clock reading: 2h58m22s
